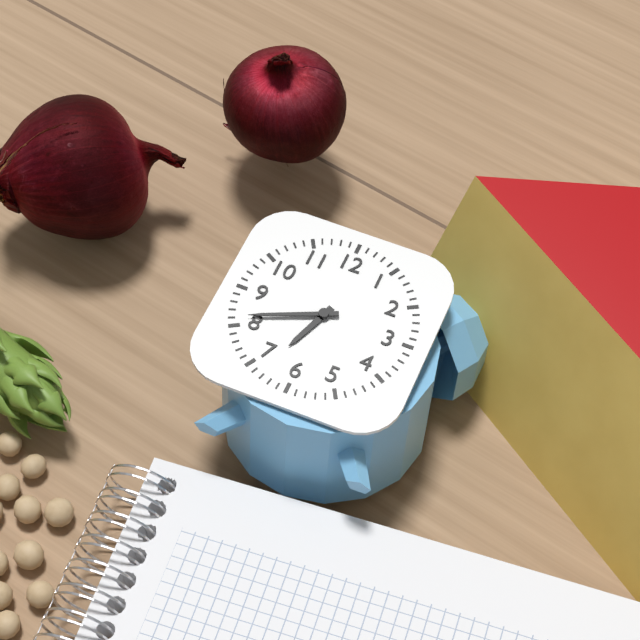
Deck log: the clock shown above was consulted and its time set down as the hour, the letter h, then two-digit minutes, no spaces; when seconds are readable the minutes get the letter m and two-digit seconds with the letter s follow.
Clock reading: 6h41
